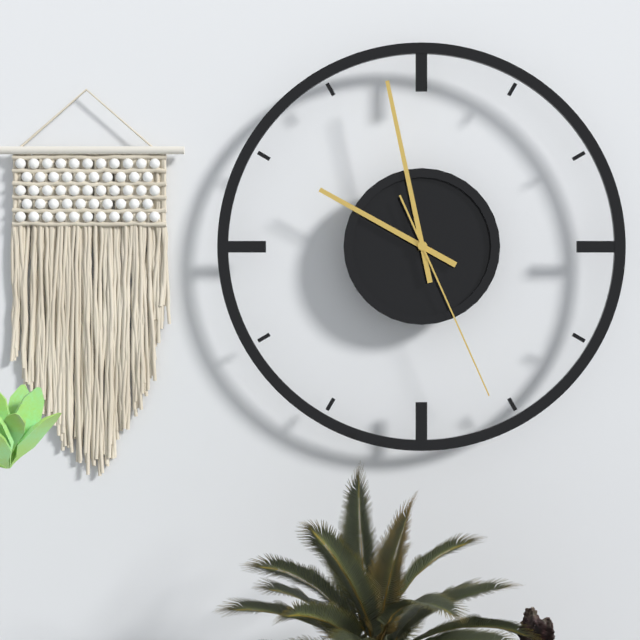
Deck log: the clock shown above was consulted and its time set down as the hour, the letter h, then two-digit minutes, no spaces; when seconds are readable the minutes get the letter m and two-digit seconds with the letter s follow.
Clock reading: 9h58m26s
